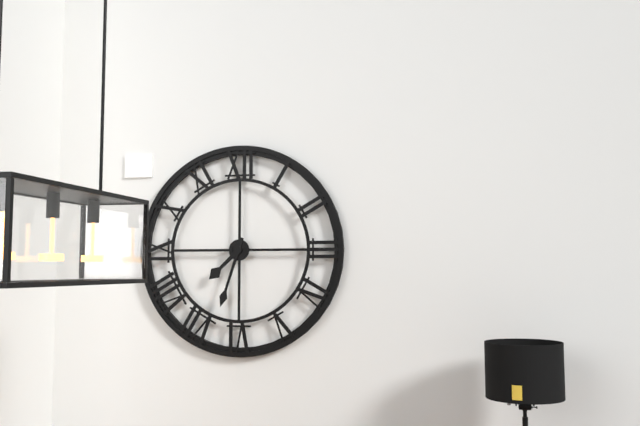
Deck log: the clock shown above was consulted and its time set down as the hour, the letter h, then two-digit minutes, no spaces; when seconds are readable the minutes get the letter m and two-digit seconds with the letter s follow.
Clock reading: 7h33
